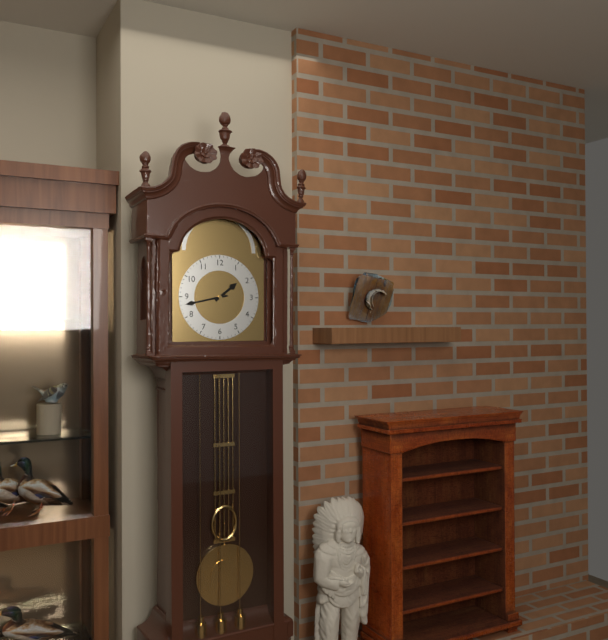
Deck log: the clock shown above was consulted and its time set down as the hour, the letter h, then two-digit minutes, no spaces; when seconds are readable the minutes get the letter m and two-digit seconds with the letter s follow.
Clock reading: 1h43
